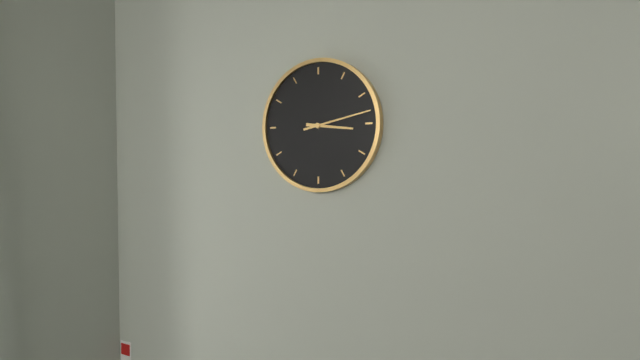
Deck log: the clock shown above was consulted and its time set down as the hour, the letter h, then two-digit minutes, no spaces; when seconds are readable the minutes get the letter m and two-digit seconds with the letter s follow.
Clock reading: 3h13
